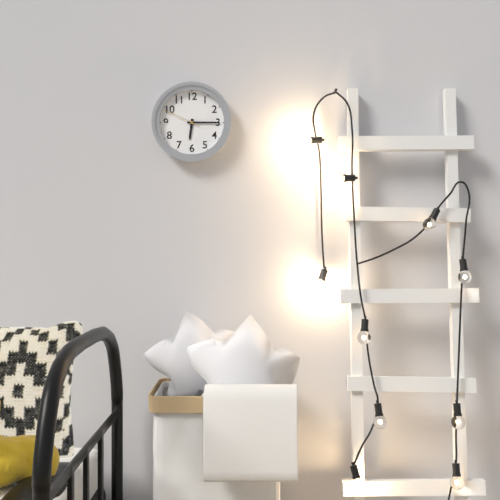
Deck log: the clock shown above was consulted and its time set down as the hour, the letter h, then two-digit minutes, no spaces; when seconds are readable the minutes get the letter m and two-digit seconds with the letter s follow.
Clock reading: 6h15
